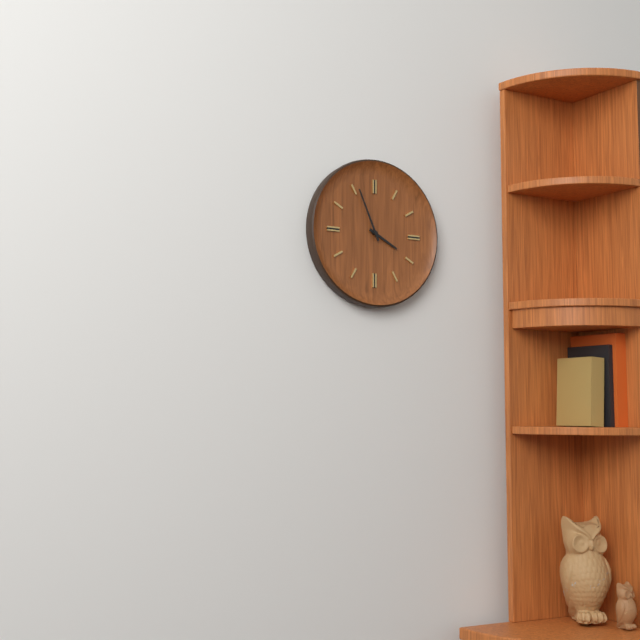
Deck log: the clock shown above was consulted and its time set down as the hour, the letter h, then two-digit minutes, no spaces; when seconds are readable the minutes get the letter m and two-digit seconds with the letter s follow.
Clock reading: 3h56
